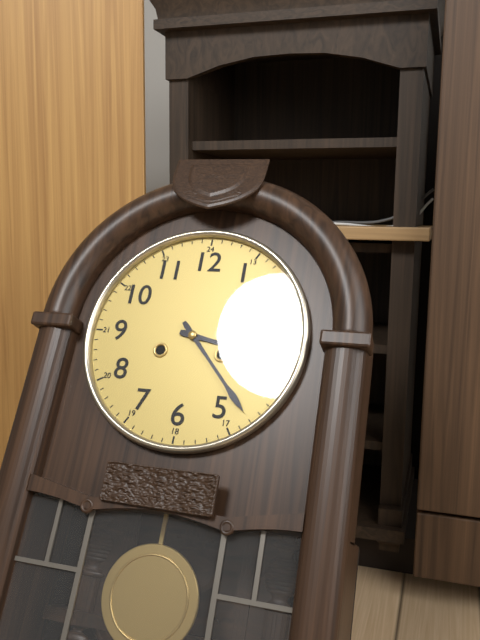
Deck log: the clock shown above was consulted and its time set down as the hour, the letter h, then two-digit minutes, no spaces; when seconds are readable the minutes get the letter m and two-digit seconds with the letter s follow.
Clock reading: 3h23
